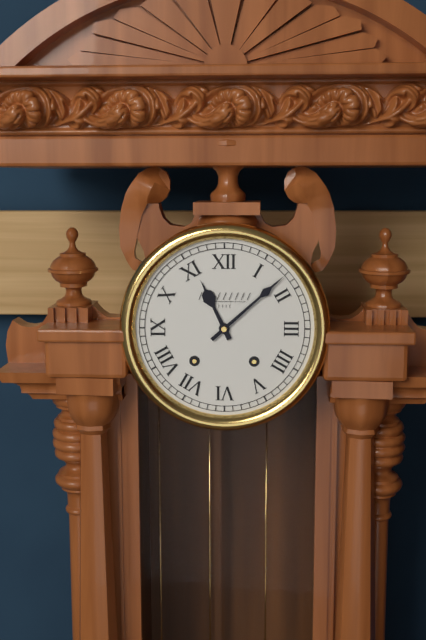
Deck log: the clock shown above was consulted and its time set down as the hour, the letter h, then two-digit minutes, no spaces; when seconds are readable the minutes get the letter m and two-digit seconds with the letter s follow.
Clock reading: 11h08
